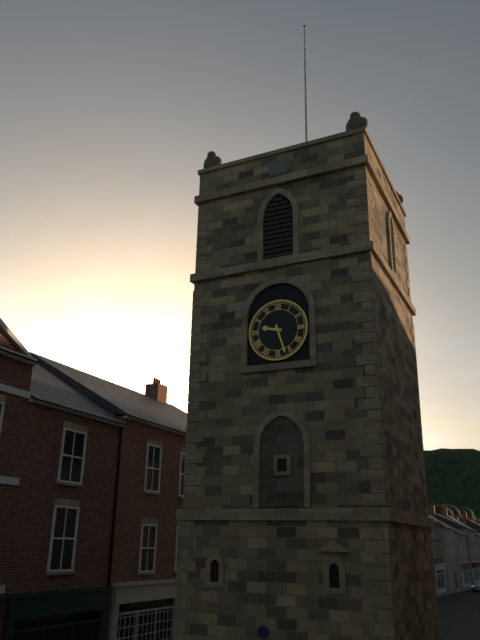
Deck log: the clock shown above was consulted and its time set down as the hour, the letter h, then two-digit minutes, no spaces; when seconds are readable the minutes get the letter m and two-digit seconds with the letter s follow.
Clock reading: 9h27
